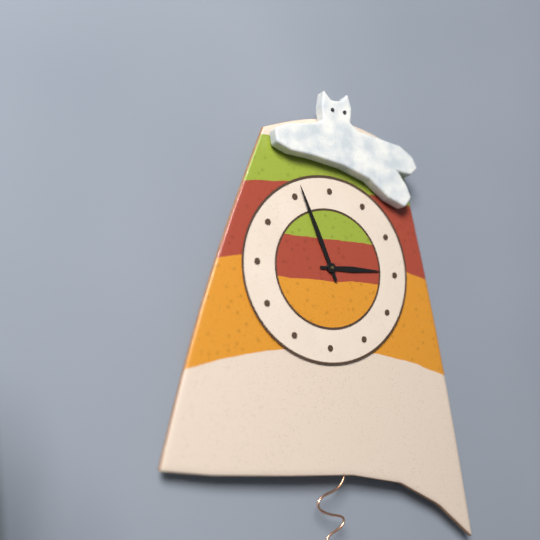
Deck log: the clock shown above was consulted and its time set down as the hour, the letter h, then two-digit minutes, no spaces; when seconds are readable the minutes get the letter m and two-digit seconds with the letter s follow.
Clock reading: 2h56
